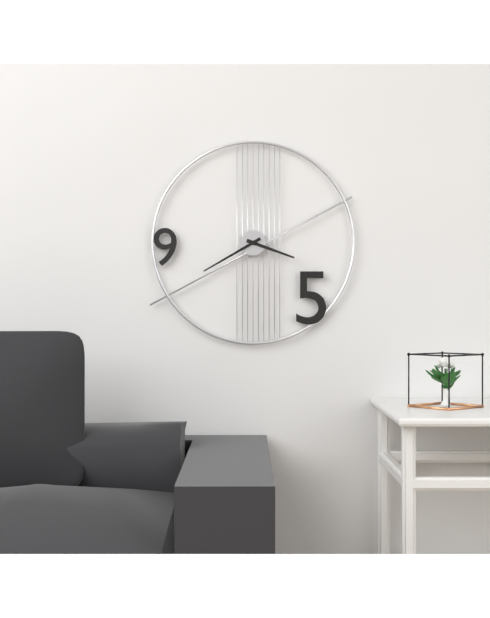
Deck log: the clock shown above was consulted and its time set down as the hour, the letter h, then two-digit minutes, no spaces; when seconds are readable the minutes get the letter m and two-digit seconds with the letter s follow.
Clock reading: 3h40
